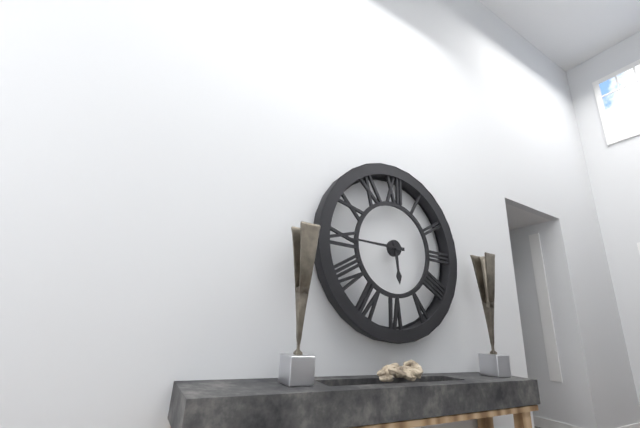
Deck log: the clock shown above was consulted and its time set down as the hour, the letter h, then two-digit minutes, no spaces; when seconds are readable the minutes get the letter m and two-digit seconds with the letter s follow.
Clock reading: 5h45
